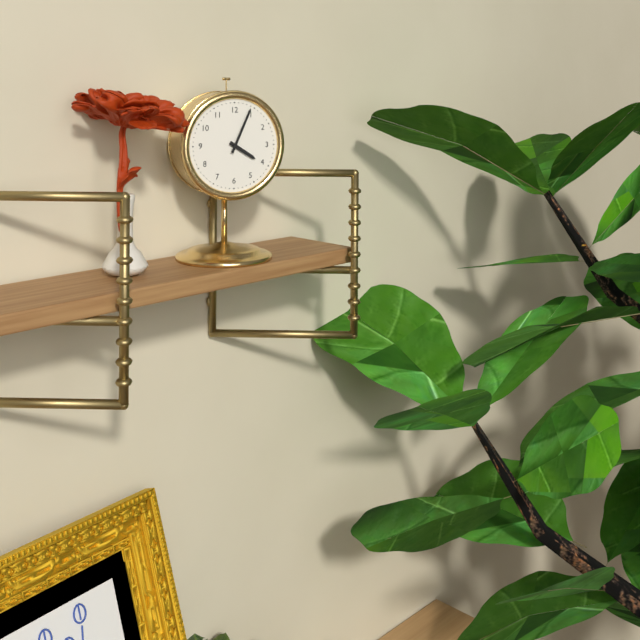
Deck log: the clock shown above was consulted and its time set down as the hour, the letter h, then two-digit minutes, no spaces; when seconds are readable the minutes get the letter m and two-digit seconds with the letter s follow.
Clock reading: 4h04
